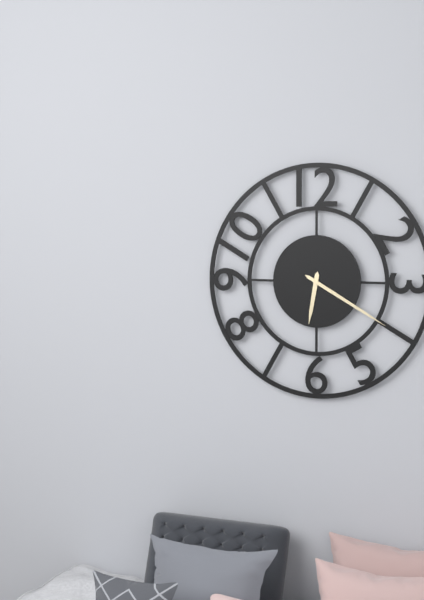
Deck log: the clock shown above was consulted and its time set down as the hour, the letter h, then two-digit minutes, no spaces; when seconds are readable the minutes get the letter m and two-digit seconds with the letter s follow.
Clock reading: 6h20
